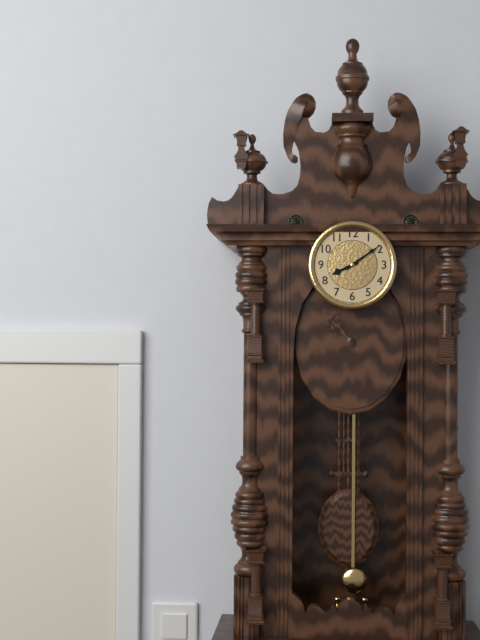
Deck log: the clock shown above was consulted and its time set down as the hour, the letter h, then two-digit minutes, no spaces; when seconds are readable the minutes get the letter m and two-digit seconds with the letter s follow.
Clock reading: 8h09
